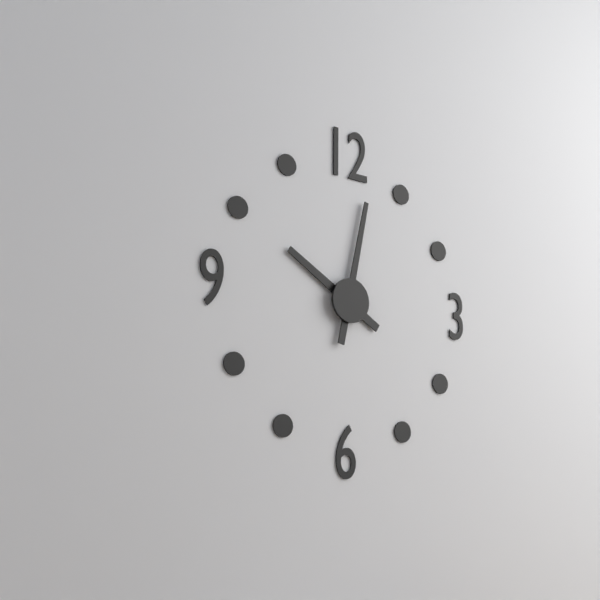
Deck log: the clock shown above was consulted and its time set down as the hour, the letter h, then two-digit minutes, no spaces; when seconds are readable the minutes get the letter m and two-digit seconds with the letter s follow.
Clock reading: 10h02
